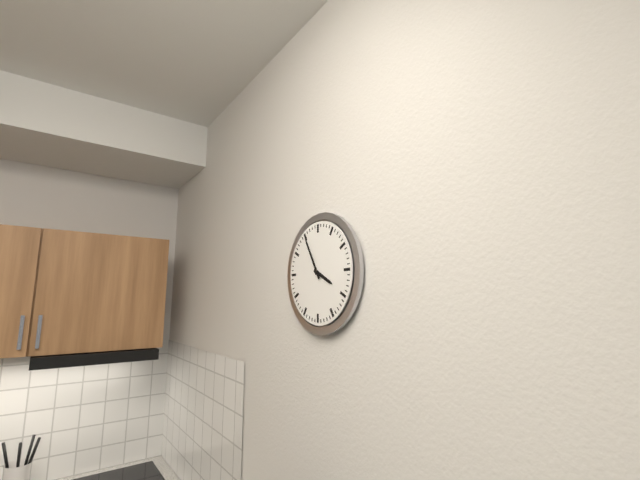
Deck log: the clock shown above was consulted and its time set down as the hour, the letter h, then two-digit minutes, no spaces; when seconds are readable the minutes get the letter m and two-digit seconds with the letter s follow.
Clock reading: 3h55
